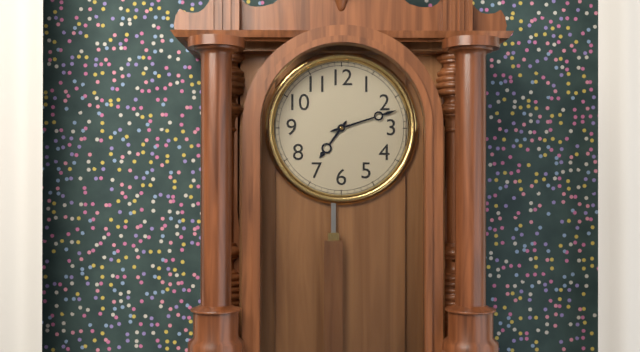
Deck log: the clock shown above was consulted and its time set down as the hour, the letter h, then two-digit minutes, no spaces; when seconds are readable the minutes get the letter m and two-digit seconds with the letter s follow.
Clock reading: 7h12
